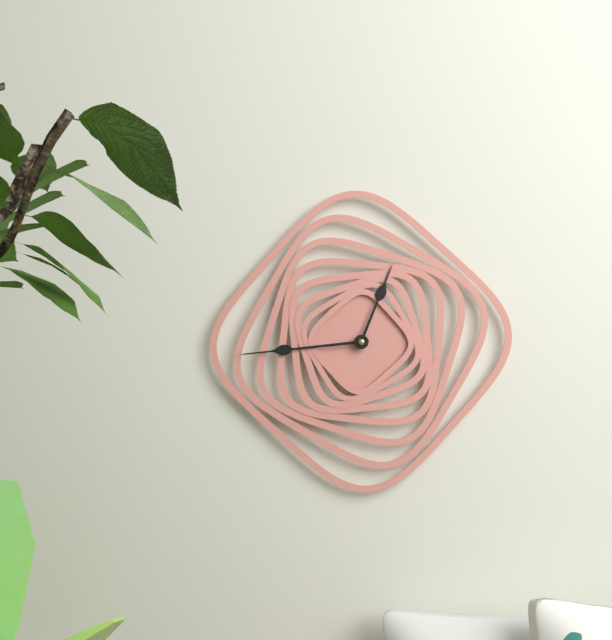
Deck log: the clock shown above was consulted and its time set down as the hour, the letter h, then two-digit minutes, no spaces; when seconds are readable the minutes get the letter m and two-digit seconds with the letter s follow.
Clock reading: 12h44
